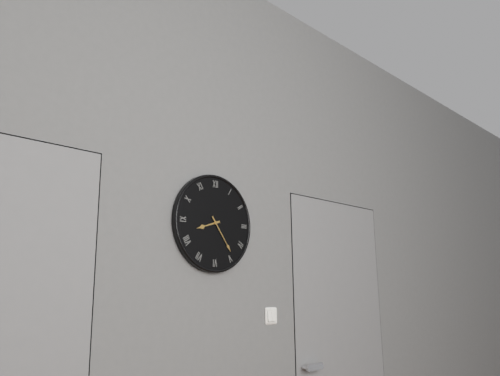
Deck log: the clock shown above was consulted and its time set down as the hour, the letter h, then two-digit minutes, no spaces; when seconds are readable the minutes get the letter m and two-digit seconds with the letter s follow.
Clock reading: 8h24
